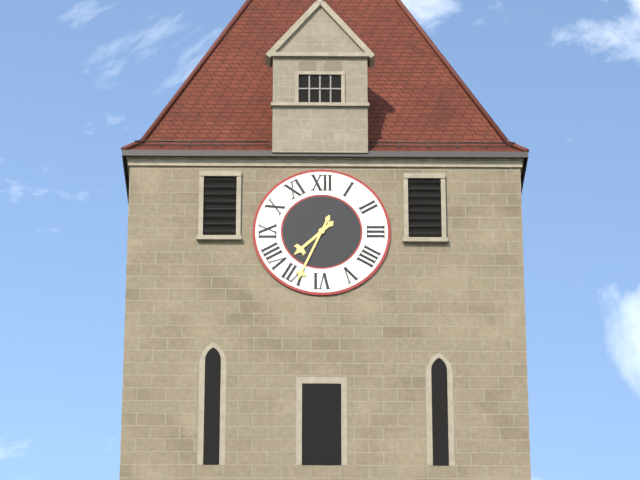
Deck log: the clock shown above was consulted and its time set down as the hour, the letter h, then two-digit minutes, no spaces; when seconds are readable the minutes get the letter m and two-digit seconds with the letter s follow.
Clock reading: 7h34
